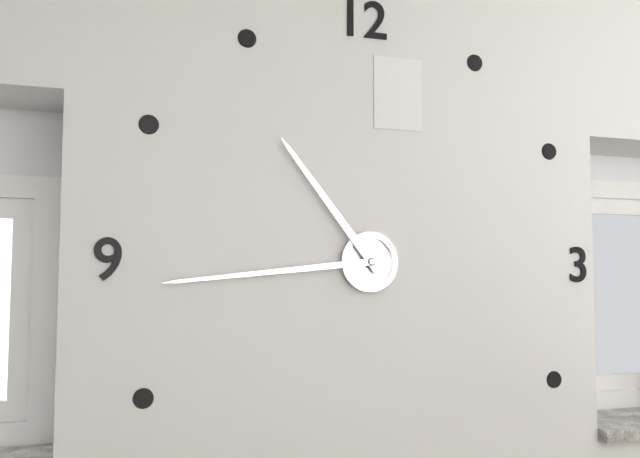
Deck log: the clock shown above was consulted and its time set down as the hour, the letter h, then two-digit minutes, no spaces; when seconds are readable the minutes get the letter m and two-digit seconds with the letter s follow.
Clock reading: 10h44
